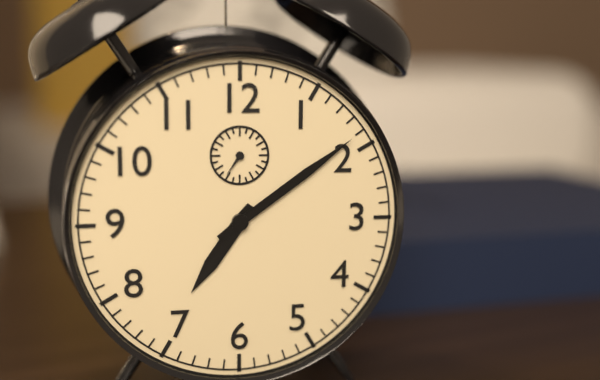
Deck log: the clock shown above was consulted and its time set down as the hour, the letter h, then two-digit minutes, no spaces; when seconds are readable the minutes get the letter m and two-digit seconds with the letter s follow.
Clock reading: 7h09
